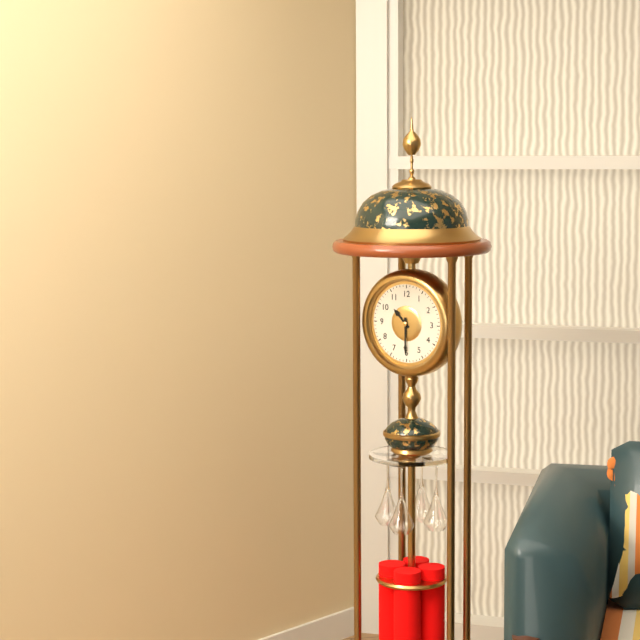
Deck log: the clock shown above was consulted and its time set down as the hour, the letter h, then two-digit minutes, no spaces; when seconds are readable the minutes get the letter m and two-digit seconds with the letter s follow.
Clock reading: 10h30
